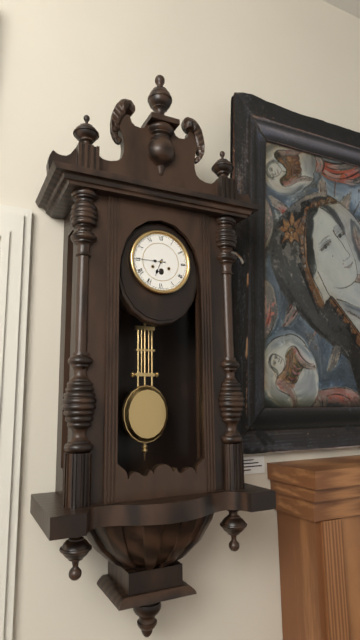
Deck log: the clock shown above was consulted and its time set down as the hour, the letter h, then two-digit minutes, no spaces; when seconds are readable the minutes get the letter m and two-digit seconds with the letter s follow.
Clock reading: 6h45
